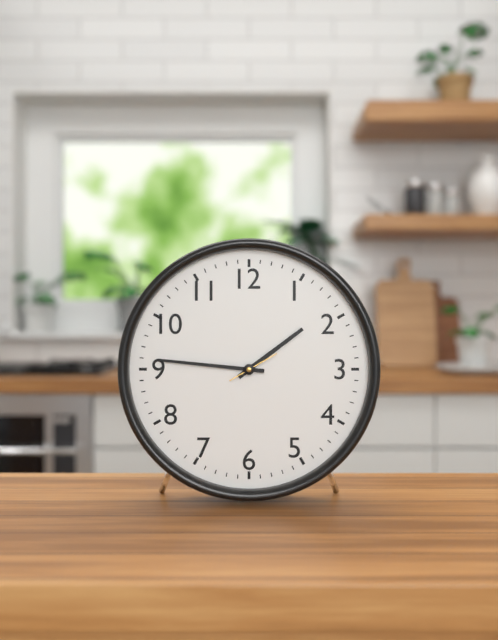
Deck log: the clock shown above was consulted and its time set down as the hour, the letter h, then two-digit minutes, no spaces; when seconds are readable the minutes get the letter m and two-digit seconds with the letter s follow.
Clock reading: 1h46
